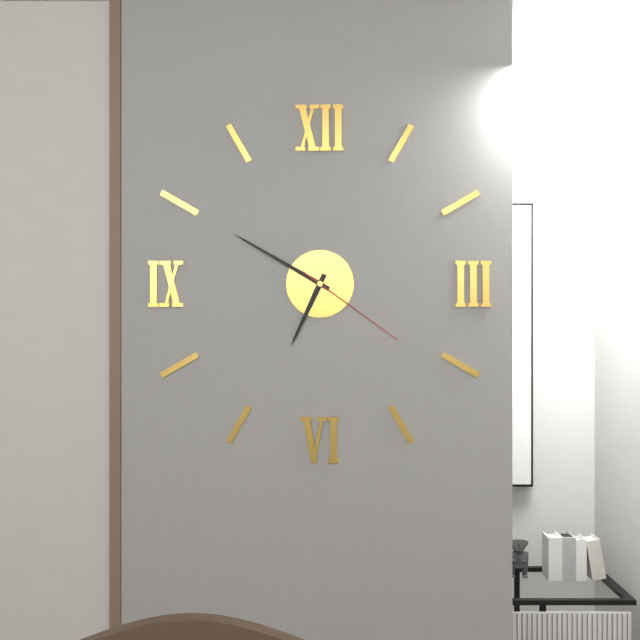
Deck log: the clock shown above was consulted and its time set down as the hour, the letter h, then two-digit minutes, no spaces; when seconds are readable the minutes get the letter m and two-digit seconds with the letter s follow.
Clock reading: 6h50m21s
